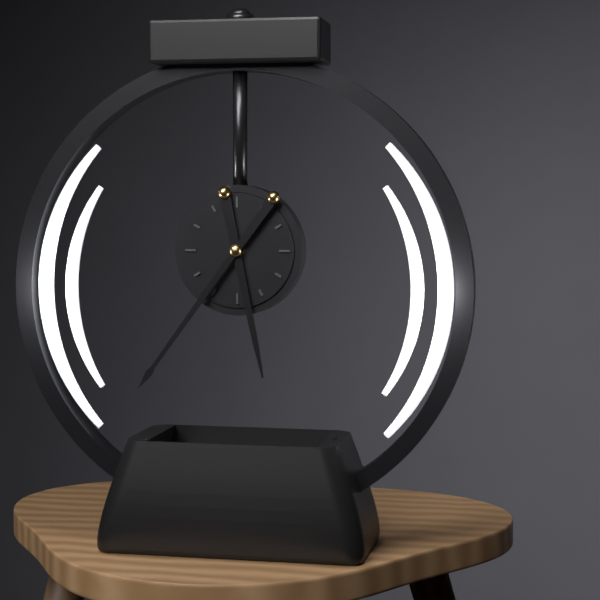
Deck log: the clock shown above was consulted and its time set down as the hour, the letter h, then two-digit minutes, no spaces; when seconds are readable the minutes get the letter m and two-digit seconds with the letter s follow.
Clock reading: 5h36
